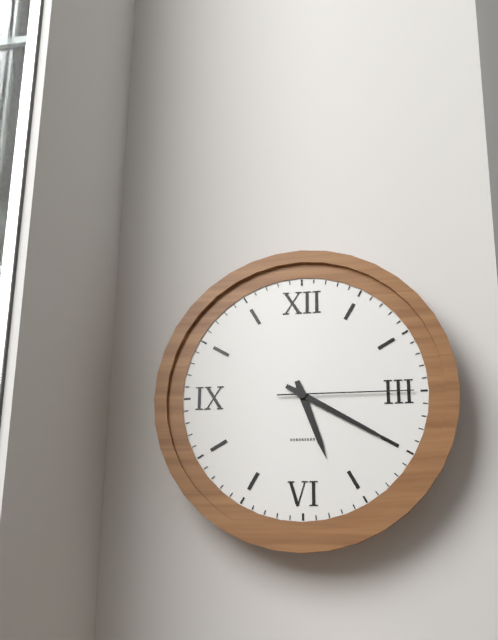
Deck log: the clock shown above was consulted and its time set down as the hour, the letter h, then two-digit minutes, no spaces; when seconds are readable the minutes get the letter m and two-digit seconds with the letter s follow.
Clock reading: 5h20m15s
